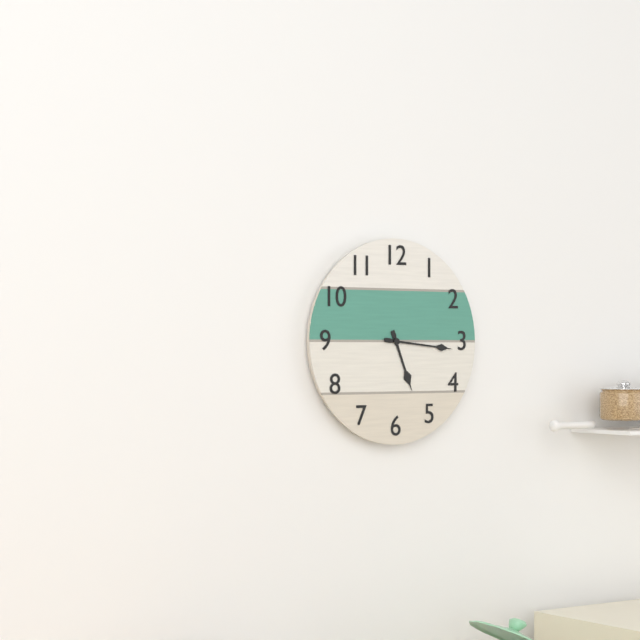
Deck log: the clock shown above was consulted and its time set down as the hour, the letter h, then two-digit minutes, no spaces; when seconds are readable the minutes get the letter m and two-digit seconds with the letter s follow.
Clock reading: 5h16
